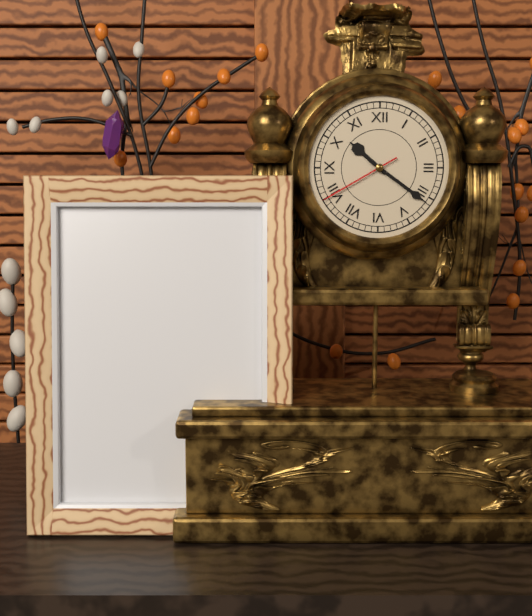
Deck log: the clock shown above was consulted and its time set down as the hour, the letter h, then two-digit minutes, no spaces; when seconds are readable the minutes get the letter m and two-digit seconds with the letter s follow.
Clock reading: 10h21m40s
